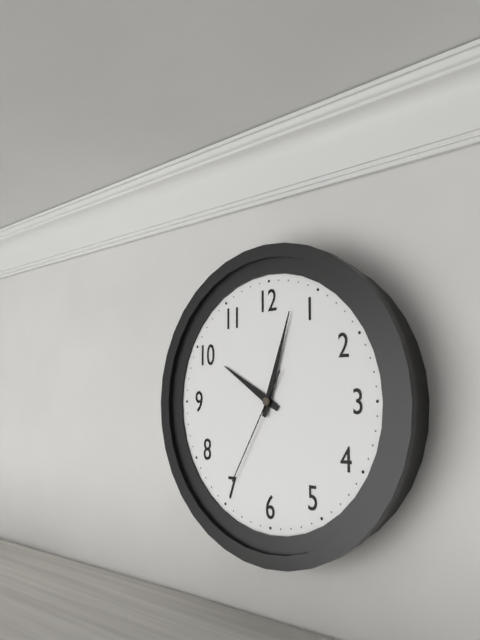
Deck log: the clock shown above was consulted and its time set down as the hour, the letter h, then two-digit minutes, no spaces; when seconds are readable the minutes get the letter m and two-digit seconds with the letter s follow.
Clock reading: 10h03m35s
